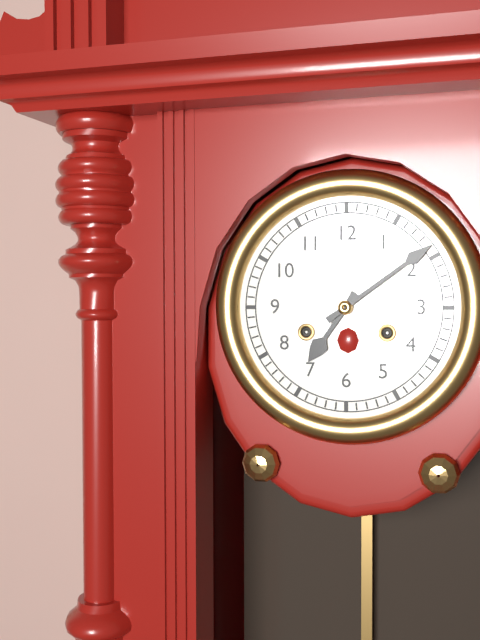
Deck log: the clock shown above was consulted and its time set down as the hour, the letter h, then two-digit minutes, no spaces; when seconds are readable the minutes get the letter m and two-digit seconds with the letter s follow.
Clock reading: 7h09
